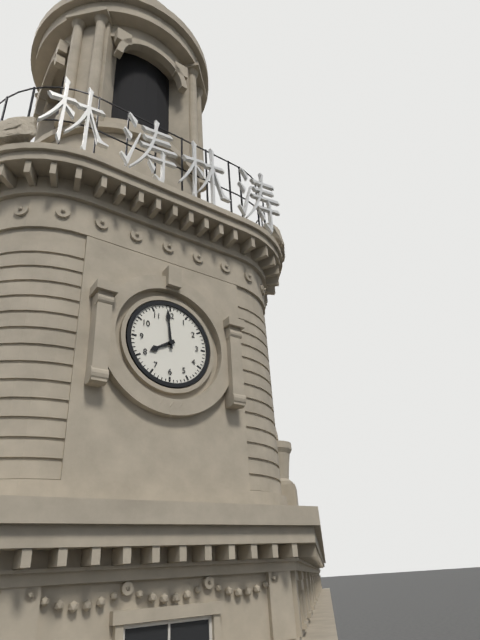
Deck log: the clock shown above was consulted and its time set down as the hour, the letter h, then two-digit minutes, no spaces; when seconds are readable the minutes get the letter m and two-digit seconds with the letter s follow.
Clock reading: 7h59
